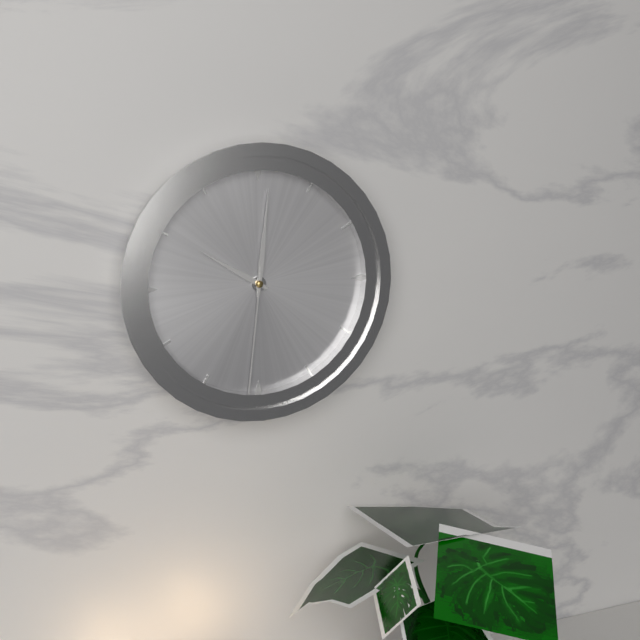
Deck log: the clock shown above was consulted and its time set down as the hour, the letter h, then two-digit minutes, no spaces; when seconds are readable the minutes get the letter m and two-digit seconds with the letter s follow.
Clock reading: 10h01m31s
